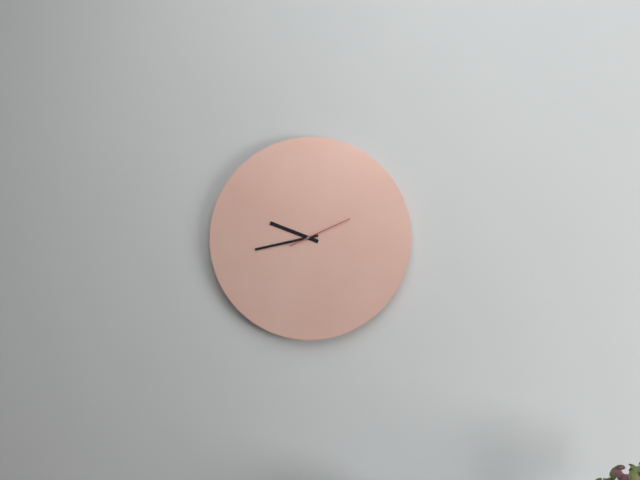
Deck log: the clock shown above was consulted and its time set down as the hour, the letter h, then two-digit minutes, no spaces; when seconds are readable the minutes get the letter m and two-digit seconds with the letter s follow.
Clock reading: 9h43m11s
